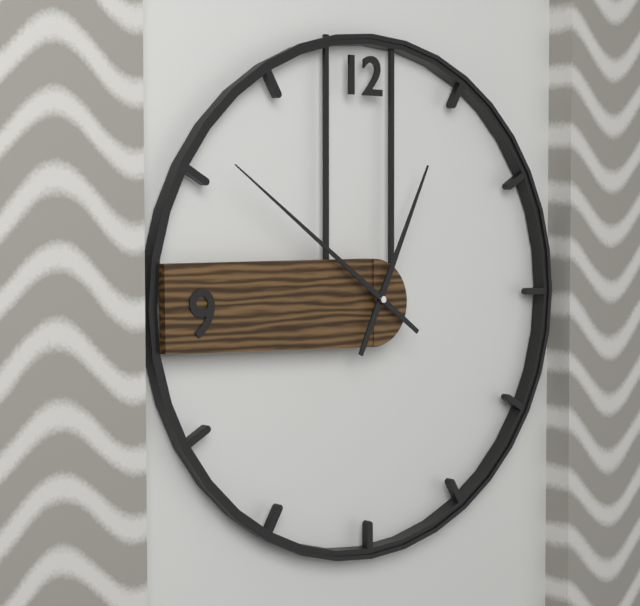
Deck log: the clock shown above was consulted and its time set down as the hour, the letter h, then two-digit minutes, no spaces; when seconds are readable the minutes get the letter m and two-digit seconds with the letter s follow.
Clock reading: 12h51
